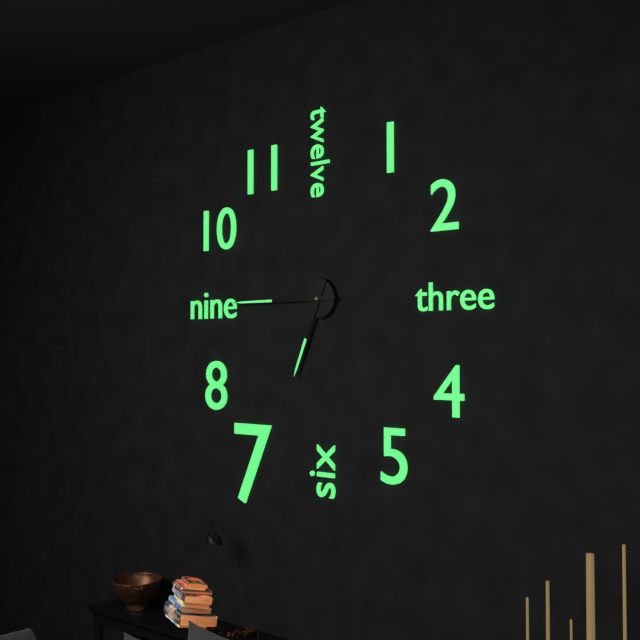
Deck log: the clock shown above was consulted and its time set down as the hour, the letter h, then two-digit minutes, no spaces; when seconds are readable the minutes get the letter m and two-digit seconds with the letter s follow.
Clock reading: 6h45
